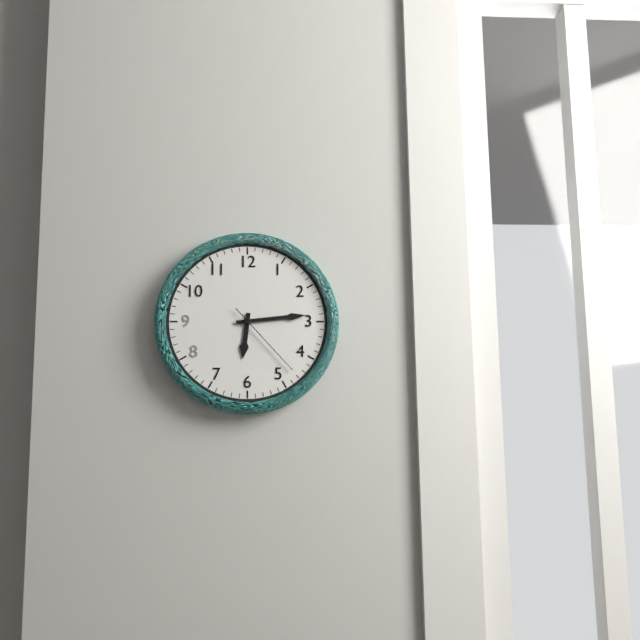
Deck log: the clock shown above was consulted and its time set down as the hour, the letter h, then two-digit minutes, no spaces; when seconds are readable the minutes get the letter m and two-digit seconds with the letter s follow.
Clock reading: 6h14m23s
